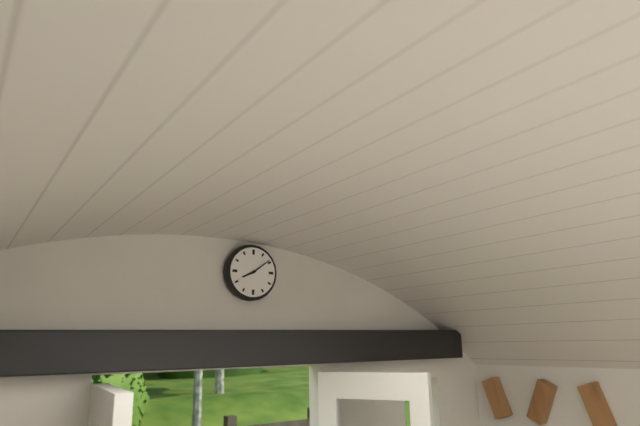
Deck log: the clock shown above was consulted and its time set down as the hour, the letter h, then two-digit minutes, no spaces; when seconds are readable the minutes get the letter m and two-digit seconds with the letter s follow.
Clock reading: 8h09
